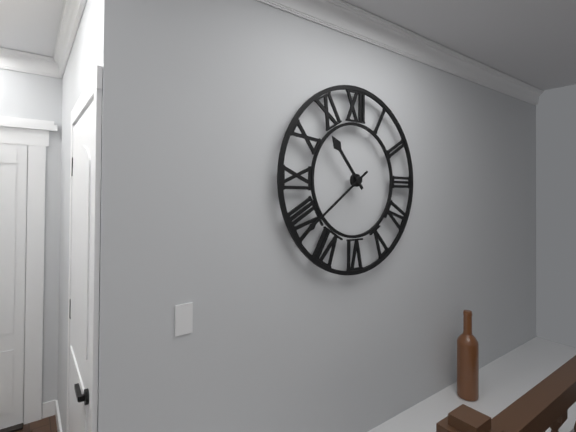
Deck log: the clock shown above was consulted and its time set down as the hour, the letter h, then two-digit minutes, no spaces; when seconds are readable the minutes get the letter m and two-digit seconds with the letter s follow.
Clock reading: 10h39
